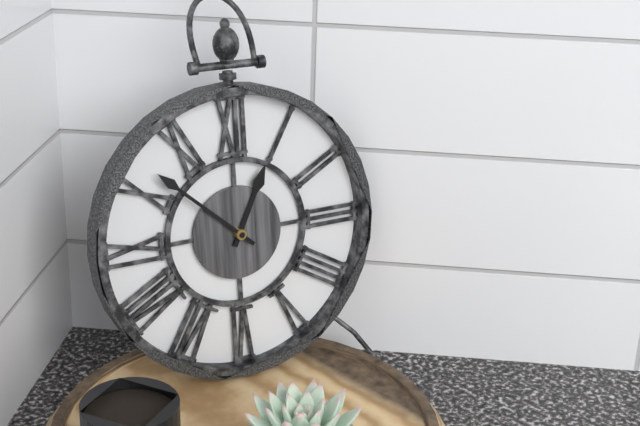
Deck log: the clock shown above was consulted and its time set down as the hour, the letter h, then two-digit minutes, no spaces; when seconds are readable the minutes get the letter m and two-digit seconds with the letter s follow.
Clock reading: 12h52
